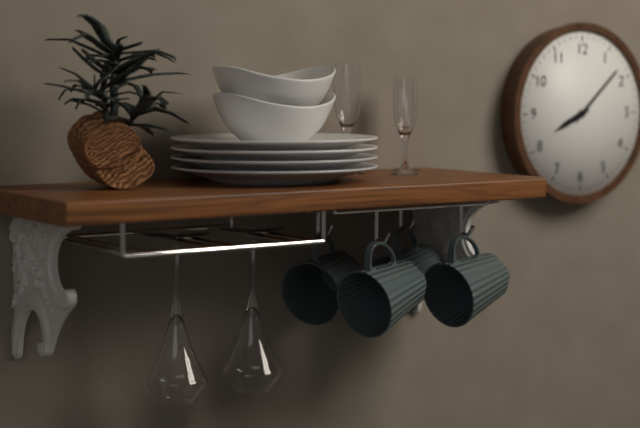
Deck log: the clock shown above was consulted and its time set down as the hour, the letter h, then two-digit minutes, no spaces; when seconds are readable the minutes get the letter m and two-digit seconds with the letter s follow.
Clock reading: 8h08
